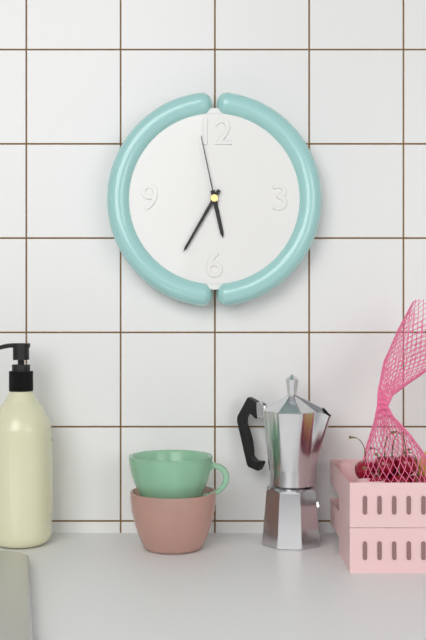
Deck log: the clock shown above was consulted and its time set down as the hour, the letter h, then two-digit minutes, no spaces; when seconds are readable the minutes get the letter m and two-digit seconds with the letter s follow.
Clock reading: 5h35m58s
